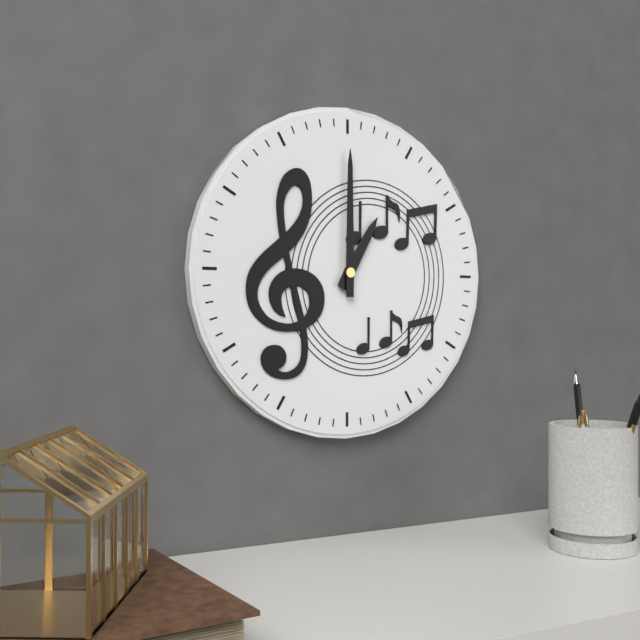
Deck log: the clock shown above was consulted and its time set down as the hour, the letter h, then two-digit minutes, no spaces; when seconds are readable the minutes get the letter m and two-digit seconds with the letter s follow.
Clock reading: 1h00
